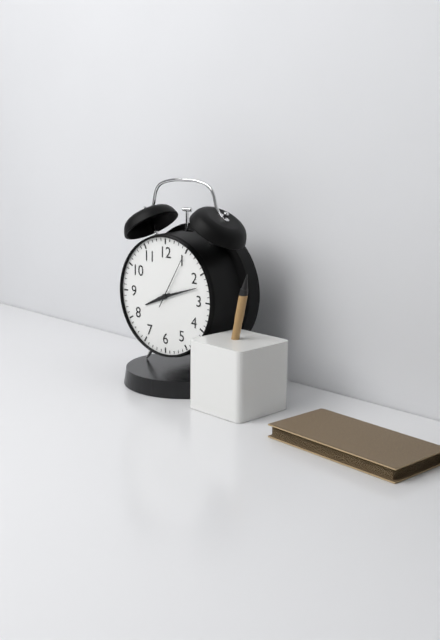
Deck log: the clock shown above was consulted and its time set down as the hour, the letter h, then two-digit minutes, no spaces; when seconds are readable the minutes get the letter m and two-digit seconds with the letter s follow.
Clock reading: 8h12m05s
